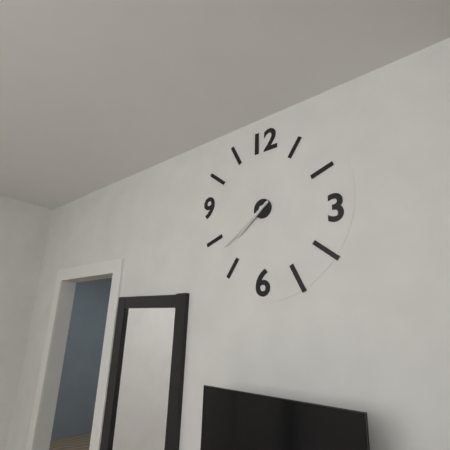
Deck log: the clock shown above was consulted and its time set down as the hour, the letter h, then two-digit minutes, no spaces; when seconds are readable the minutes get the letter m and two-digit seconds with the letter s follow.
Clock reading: 7h39
